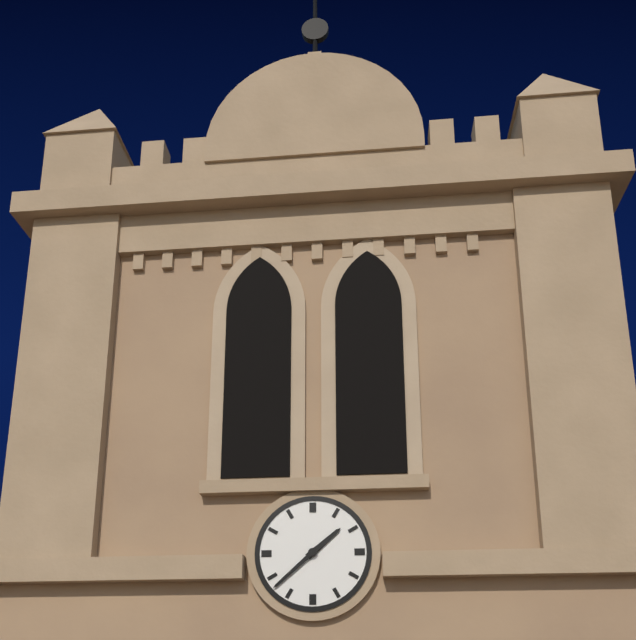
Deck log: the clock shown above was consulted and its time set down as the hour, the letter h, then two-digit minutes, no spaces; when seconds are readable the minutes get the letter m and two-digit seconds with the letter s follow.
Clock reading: 1h38
